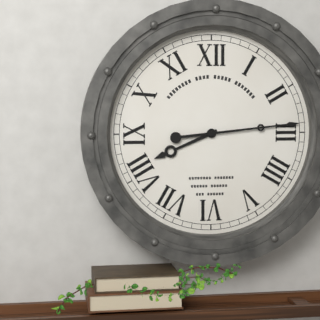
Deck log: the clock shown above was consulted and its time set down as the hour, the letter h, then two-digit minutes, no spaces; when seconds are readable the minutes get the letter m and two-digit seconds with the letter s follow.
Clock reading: 8h14
